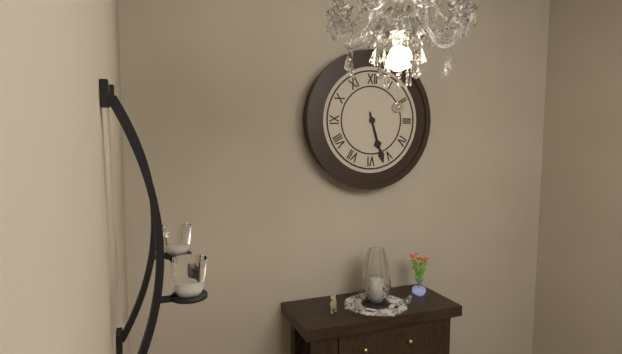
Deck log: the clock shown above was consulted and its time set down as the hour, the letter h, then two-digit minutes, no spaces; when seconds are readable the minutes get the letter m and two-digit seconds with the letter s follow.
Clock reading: 5h27
